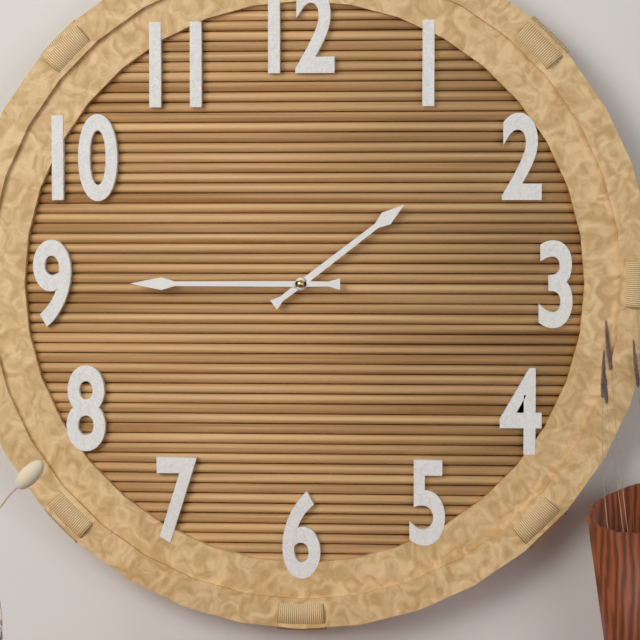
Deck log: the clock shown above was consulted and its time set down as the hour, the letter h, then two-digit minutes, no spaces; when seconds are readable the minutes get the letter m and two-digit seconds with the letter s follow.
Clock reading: 1h45
